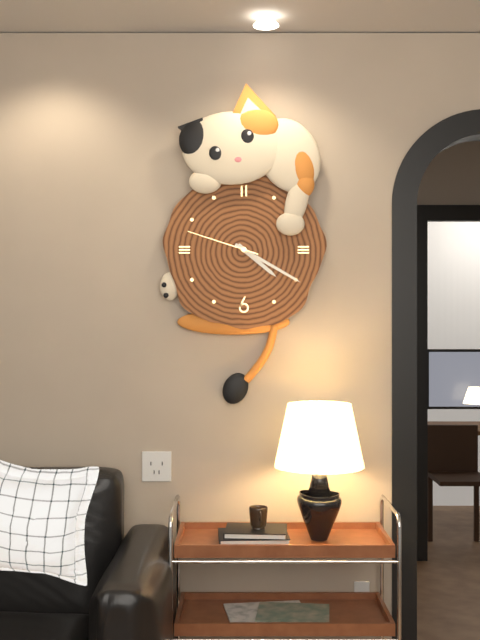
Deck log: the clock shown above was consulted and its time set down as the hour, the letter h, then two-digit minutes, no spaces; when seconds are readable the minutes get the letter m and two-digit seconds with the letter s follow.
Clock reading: 4h20m48s
